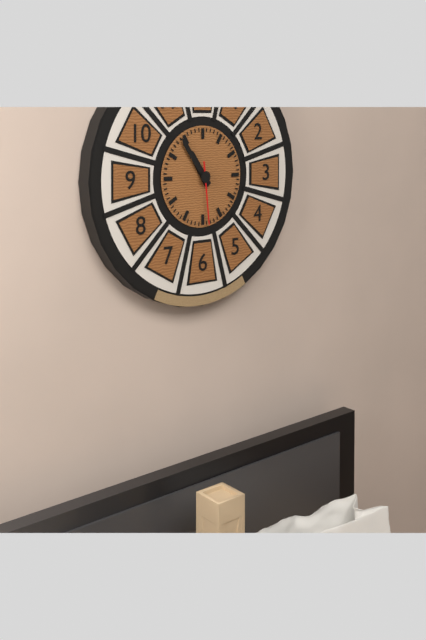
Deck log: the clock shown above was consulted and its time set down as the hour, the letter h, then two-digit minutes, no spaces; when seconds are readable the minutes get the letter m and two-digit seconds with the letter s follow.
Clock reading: 10h54m29s
